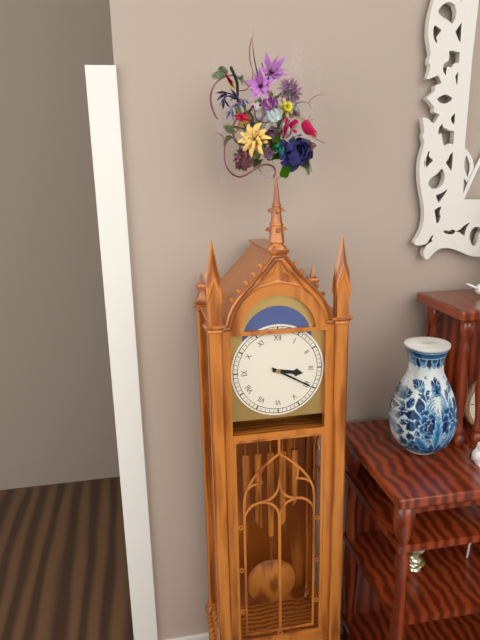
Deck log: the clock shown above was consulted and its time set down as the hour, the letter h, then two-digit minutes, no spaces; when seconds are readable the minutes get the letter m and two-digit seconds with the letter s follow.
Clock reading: 3h20
